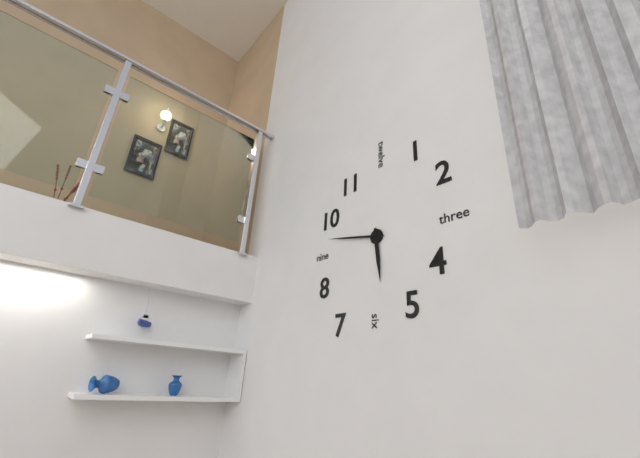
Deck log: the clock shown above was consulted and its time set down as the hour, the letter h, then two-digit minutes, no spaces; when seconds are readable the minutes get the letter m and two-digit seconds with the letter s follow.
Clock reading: 5h47
